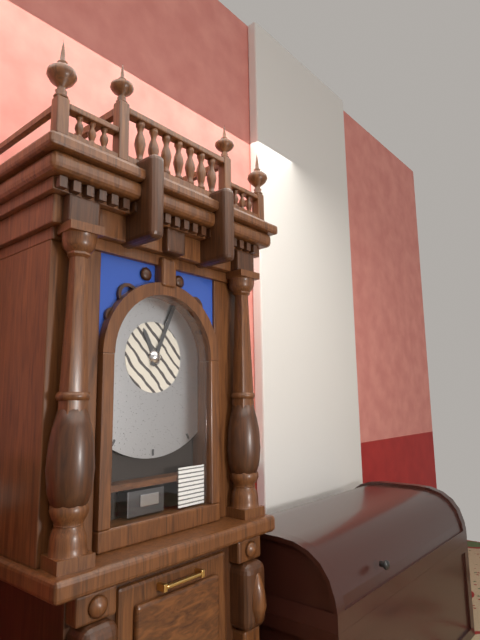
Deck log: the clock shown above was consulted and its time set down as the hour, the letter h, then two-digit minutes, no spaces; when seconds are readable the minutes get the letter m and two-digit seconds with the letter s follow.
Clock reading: 11h04
